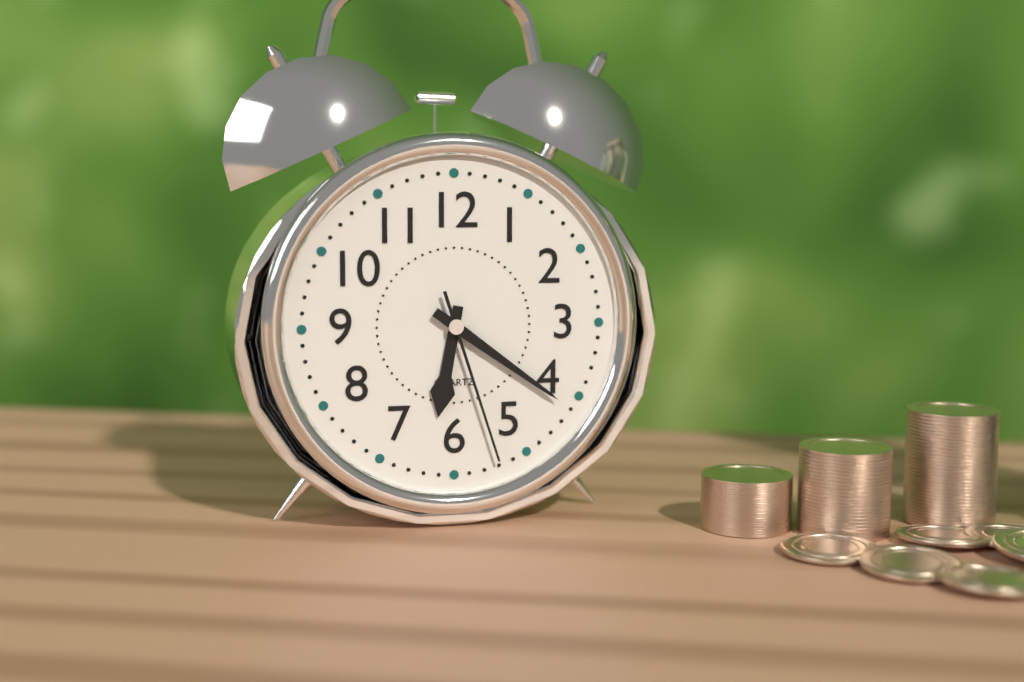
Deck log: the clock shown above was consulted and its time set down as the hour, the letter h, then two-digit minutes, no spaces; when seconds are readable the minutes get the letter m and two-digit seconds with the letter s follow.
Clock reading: 6h21m27s
